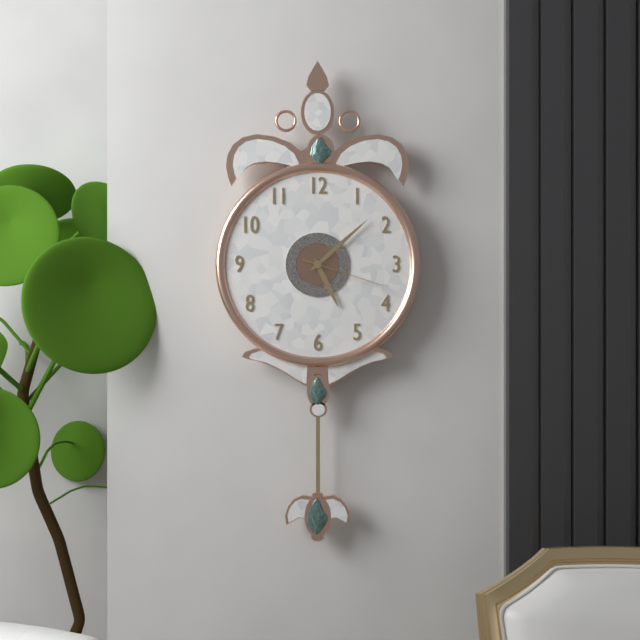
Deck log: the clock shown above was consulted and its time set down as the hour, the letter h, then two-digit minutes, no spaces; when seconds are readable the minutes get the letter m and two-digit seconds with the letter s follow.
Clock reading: 5h08m18s
